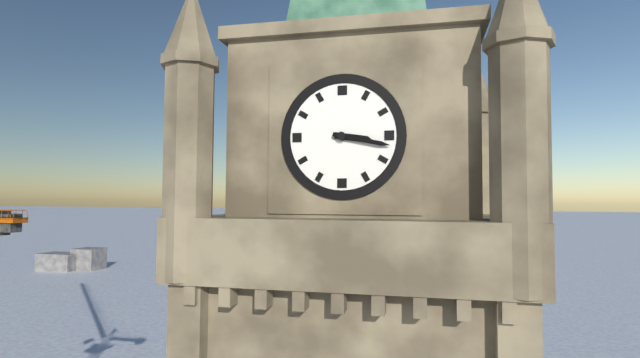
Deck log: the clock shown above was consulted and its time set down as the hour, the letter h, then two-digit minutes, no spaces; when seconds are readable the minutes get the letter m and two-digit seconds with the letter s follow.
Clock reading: 3h17
